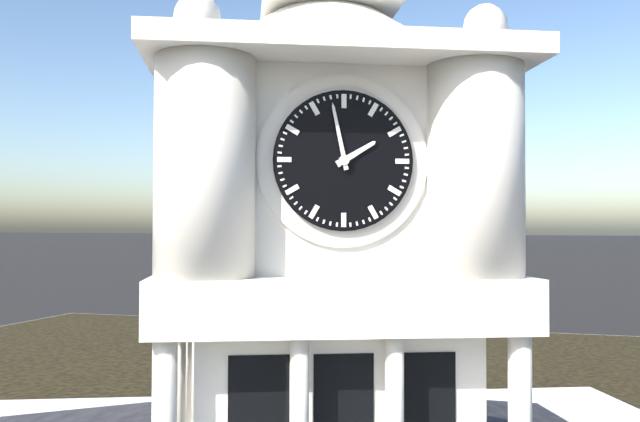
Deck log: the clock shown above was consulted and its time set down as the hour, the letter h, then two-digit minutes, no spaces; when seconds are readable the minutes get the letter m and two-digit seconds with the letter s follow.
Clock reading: 1h58
